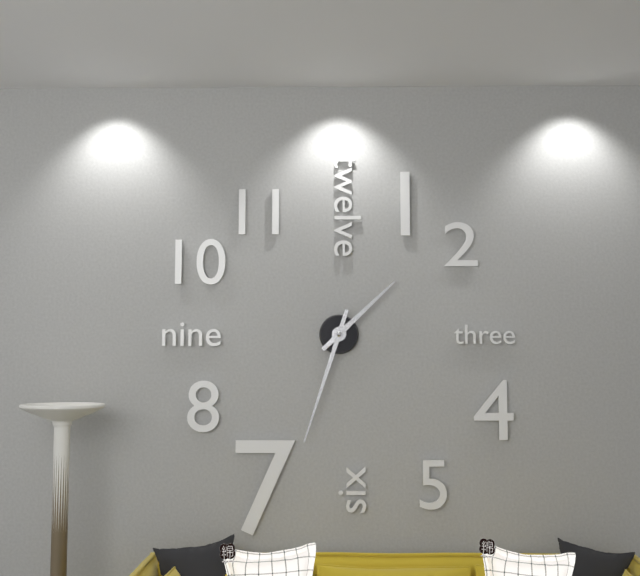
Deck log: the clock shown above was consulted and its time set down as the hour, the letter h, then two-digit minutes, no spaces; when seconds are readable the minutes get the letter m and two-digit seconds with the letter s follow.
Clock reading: 1h33
